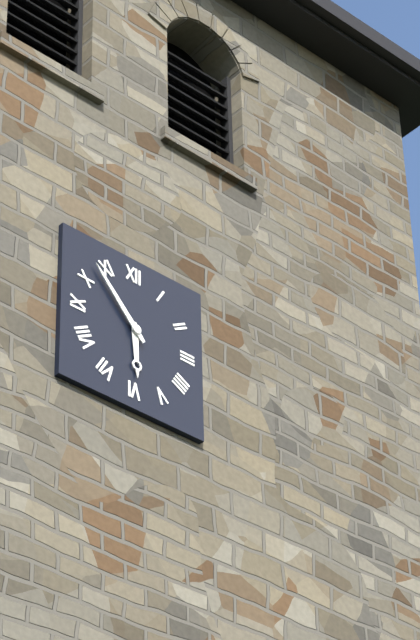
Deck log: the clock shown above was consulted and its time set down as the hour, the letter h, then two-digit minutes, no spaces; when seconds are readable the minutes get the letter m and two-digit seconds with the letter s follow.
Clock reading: 5h53
